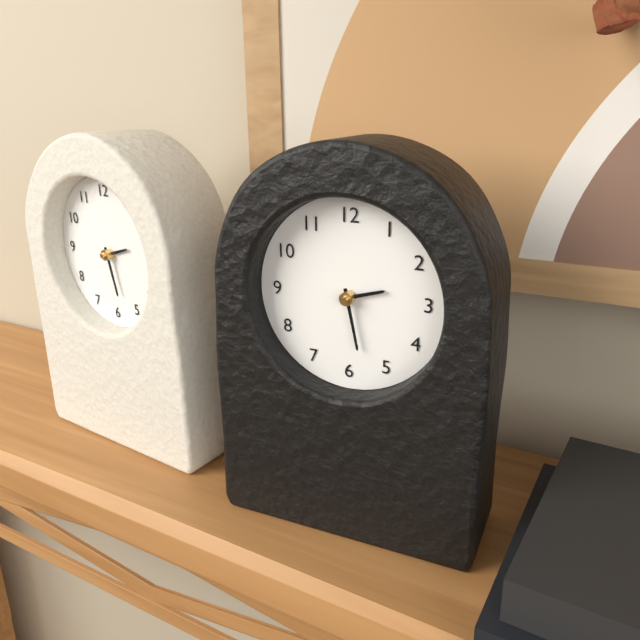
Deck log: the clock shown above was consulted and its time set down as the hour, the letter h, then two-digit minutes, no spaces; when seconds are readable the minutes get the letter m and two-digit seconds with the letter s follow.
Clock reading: 2h28
